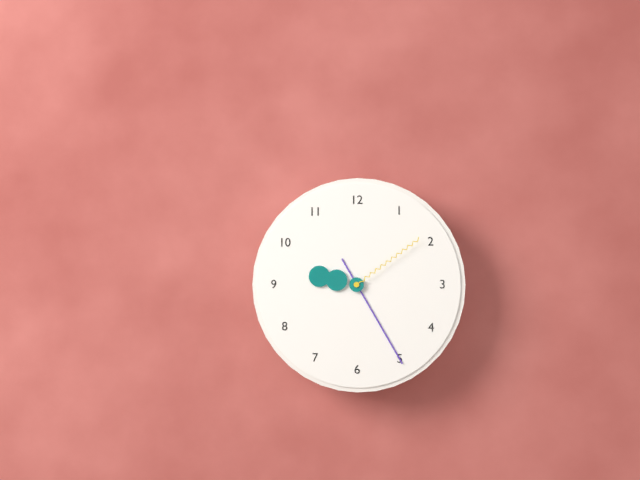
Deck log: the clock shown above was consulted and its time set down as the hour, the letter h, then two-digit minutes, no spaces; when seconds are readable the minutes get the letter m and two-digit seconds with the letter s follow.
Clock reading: 9h25m09s
